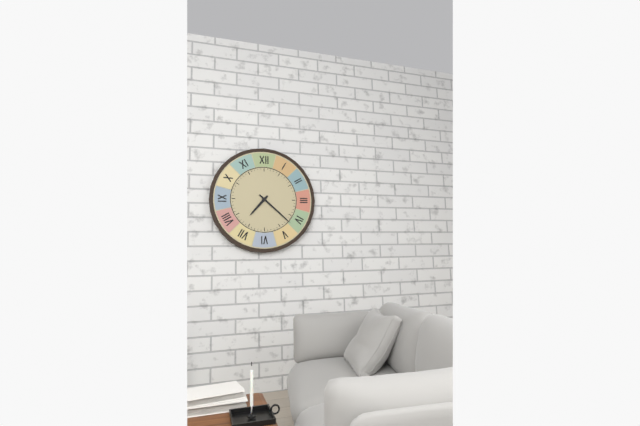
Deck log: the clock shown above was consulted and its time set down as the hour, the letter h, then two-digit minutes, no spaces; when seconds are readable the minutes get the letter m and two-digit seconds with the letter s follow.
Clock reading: 7h22
